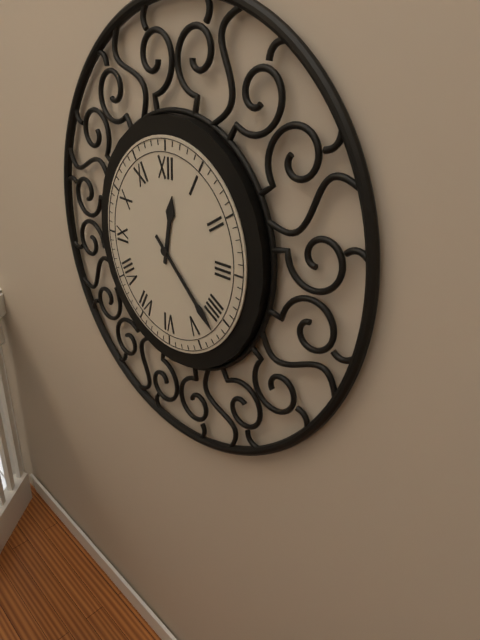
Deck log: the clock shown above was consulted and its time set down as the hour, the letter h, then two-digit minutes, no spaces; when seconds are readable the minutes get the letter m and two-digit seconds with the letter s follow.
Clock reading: 12h22
